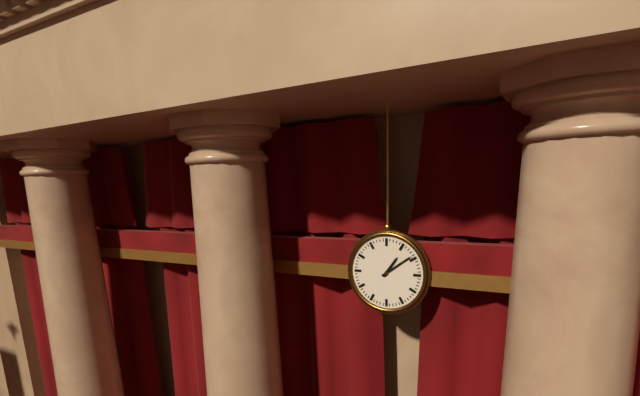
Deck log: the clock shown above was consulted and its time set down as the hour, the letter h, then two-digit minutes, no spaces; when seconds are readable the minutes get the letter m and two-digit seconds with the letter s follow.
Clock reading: 1h09
